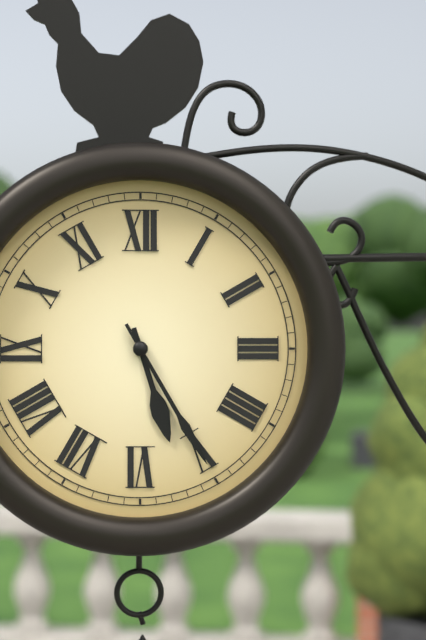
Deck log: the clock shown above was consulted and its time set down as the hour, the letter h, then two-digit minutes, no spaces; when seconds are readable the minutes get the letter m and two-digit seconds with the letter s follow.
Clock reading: 5h25
